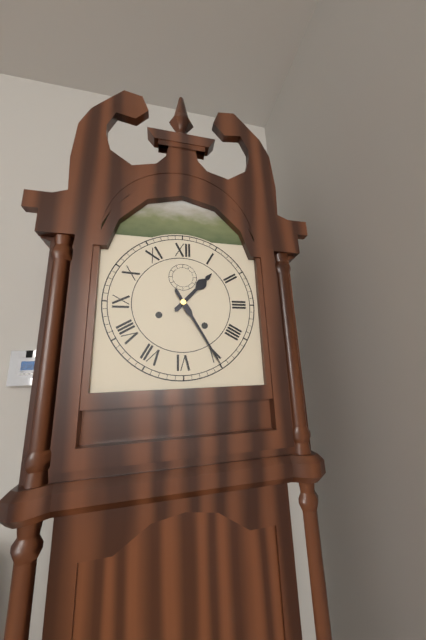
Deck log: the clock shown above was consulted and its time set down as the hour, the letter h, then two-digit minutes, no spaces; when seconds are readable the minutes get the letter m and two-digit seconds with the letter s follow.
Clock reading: 1h25
